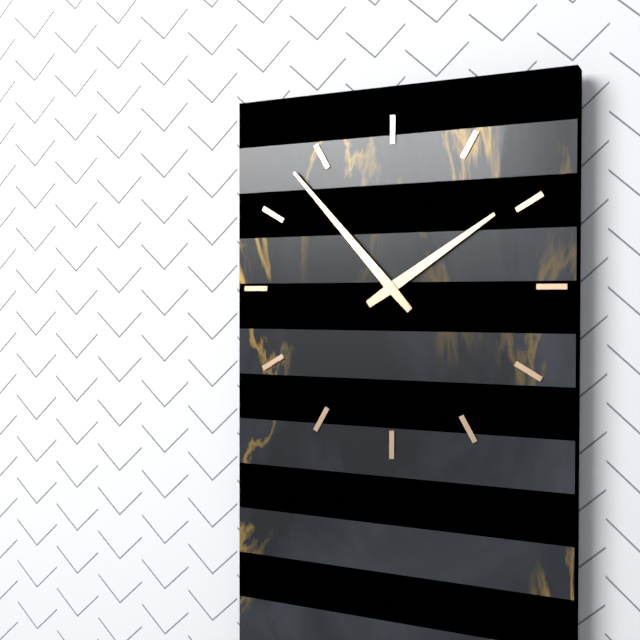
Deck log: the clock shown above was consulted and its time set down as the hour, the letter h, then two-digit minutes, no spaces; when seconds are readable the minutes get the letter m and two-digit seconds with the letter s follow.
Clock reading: 1h53
